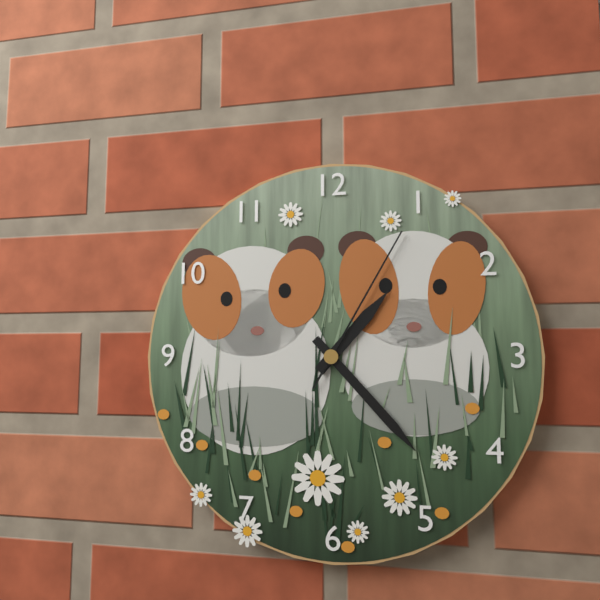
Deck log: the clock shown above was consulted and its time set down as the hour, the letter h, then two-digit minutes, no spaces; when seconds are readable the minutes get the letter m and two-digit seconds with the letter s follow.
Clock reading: 1h23m05s
